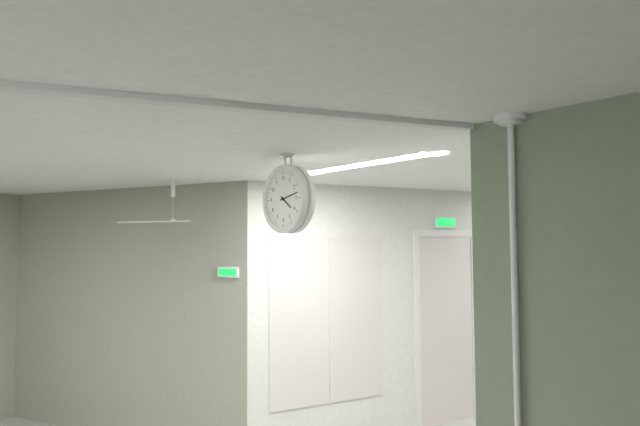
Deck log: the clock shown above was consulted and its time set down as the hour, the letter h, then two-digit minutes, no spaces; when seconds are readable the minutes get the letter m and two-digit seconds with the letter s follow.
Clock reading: 4h13
